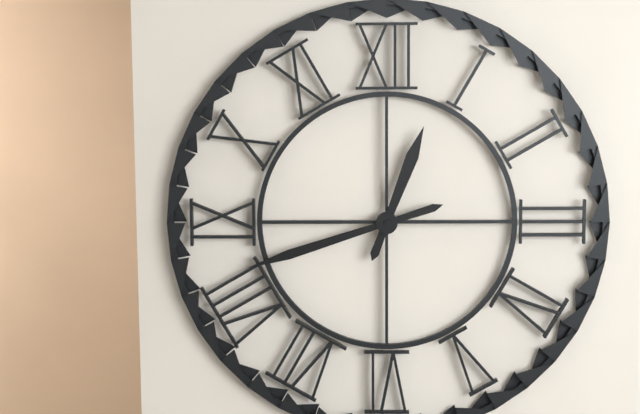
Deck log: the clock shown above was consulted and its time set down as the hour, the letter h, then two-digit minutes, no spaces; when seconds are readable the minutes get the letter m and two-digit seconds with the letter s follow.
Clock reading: 12h42
